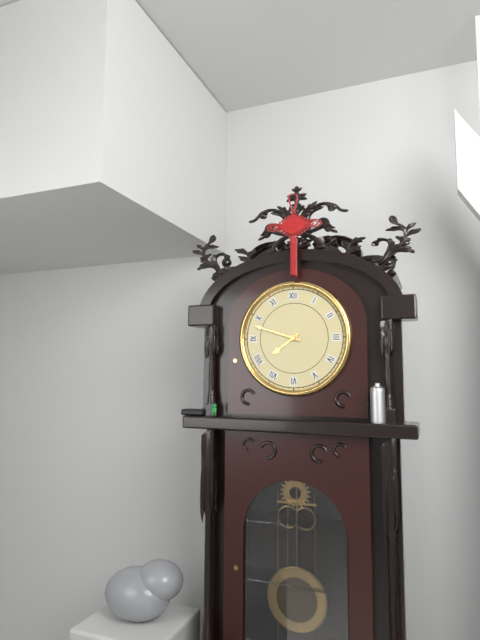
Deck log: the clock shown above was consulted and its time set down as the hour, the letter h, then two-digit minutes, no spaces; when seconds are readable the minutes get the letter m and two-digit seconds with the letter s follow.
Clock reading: 7h48
